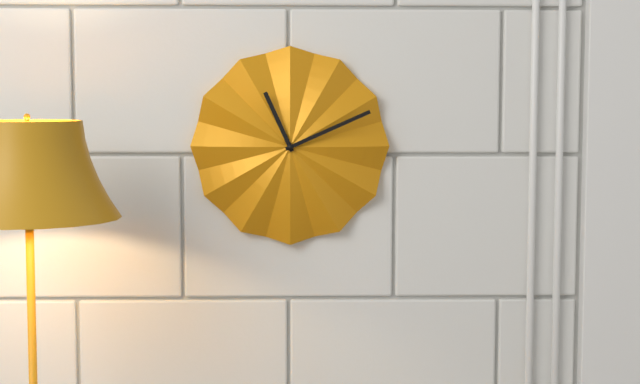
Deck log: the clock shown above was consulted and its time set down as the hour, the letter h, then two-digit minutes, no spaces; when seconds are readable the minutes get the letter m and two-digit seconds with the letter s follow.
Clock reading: 11h11
